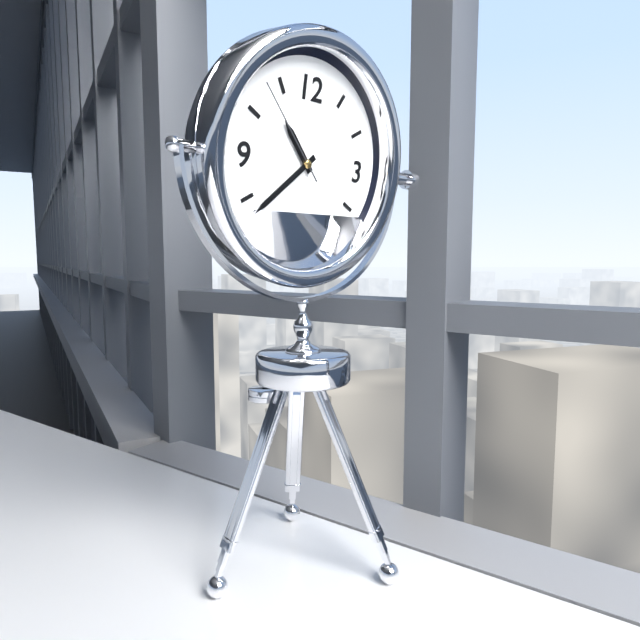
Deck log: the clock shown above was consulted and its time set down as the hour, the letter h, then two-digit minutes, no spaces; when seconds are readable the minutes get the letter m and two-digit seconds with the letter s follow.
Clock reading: 10h38m53s
